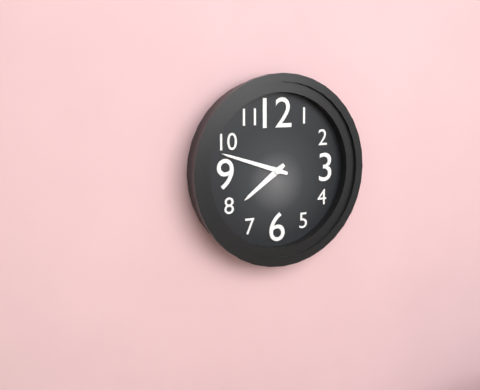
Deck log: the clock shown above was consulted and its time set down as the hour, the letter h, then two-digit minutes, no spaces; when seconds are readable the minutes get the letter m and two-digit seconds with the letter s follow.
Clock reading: 7h48
